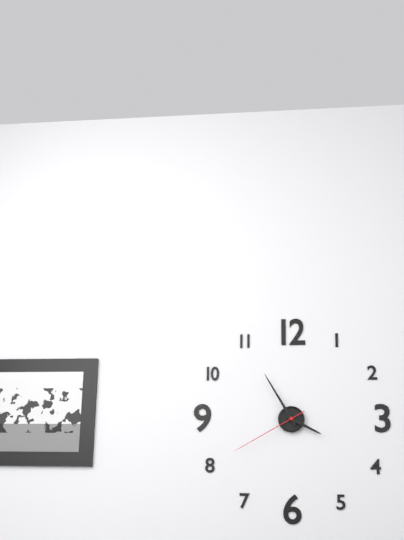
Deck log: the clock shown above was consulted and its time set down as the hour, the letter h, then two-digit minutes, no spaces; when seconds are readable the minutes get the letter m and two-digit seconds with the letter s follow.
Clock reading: 3h55m40s
